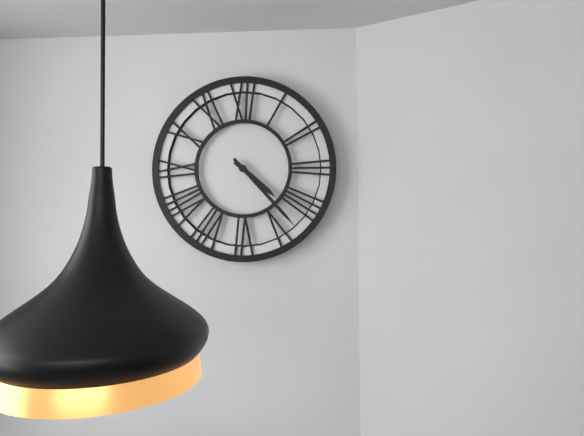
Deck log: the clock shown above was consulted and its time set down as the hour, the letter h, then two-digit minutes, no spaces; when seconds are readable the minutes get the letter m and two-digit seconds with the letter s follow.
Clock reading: 4h23
